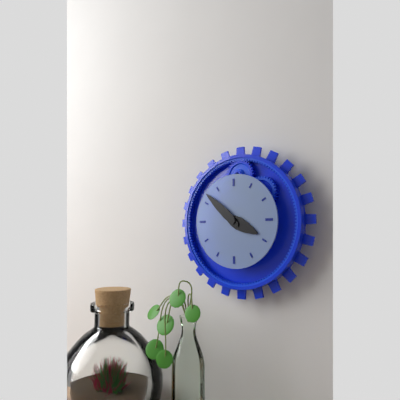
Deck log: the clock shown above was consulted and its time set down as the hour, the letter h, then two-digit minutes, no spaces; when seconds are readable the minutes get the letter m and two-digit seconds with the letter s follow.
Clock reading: 3h52
